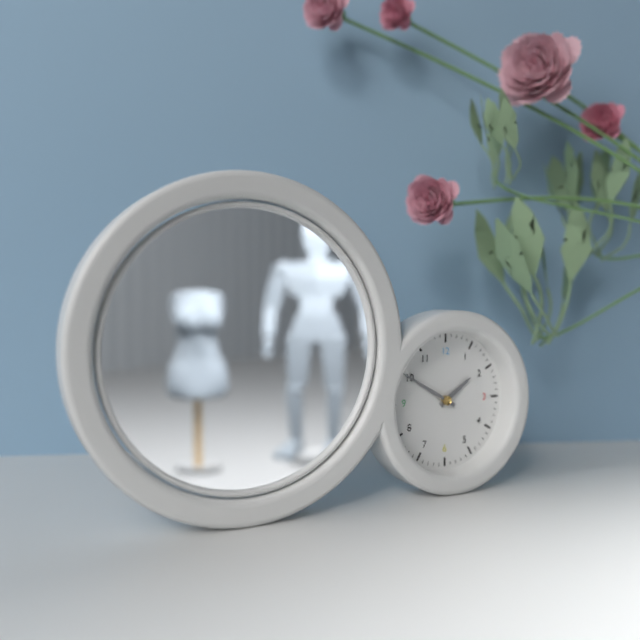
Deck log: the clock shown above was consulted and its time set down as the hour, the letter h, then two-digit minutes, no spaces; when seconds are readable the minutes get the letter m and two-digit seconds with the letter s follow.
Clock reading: 1h50
